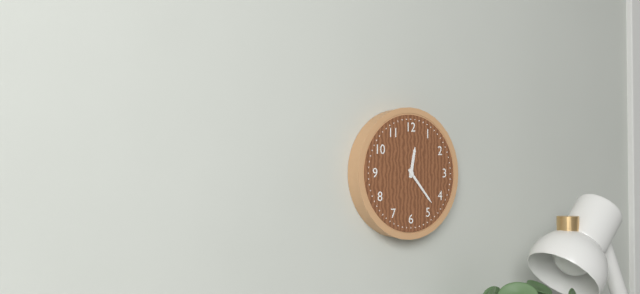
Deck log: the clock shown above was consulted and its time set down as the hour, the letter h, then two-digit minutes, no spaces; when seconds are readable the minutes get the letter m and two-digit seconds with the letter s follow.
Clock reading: 12h23
